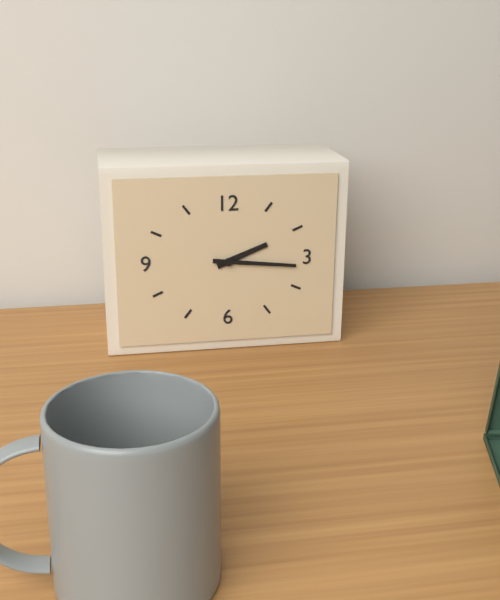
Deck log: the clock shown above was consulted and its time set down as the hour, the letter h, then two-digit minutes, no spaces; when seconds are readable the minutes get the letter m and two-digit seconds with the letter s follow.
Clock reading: 2h16
